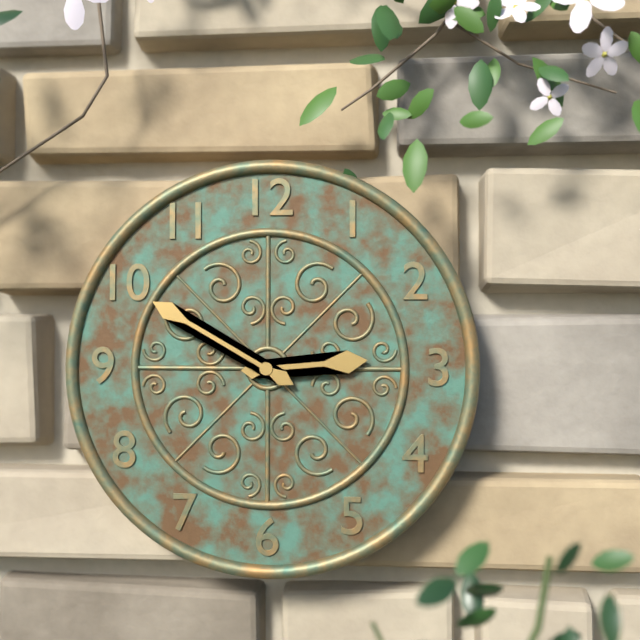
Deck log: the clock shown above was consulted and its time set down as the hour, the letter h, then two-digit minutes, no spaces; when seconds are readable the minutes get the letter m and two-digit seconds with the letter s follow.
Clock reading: 2h50
